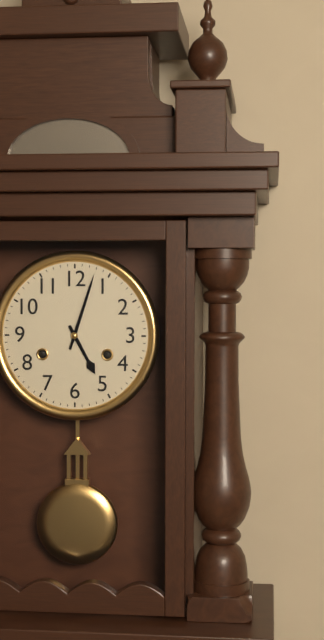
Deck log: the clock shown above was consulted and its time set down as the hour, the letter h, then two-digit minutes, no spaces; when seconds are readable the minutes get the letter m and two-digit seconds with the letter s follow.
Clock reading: 5h03
